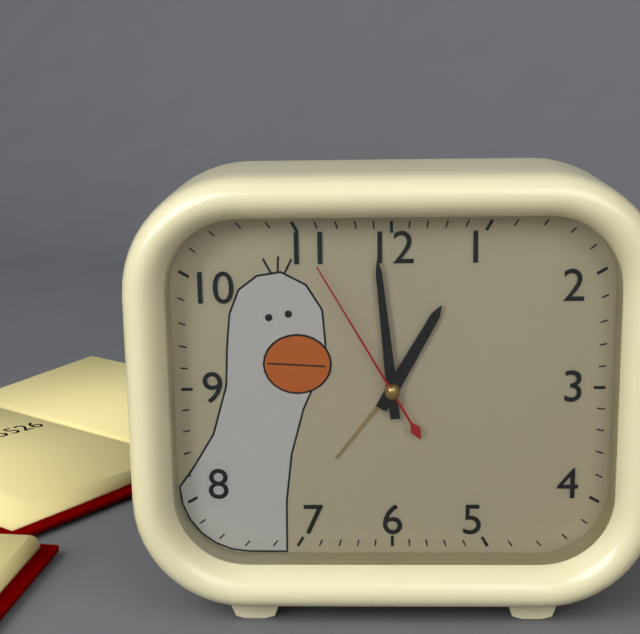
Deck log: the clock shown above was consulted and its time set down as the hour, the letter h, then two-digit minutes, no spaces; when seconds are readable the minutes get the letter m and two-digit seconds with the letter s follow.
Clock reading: 12h59m55s
